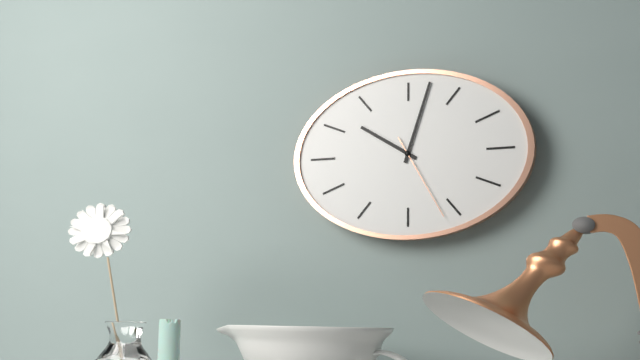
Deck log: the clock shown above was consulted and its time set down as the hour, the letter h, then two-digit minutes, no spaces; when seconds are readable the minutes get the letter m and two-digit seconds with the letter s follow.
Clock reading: 10h03m25s
